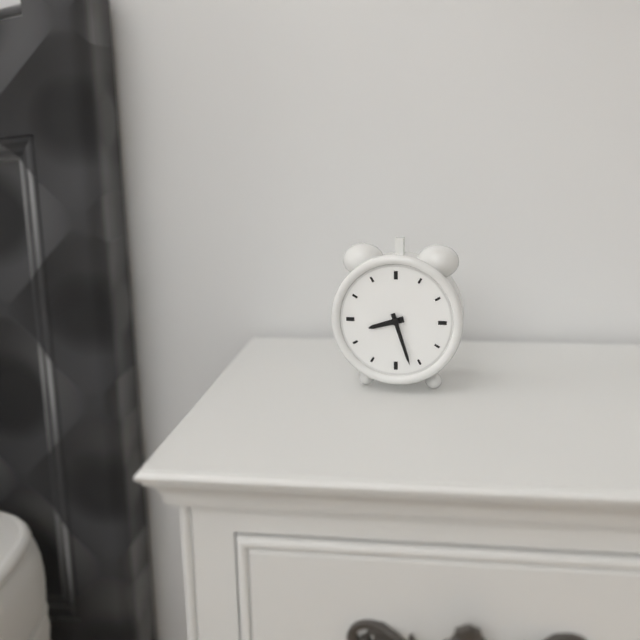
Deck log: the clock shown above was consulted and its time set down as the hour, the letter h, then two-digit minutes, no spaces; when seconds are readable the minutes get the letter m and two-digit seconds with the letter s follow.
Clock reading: 8h27
